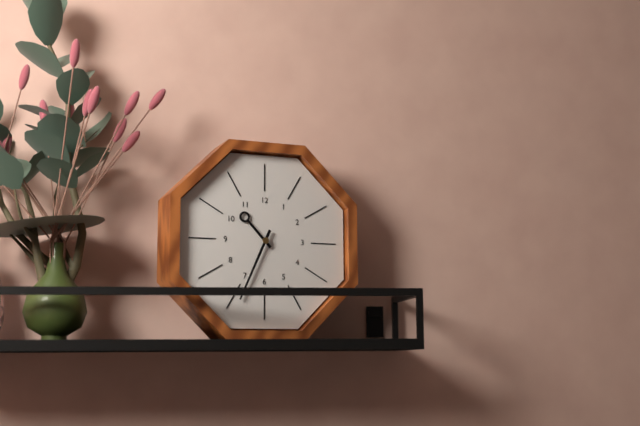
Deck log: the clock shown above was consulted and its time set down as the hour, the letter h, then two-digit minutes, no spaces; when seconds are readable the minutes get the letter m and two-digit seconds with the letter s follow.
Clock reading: 10h34
